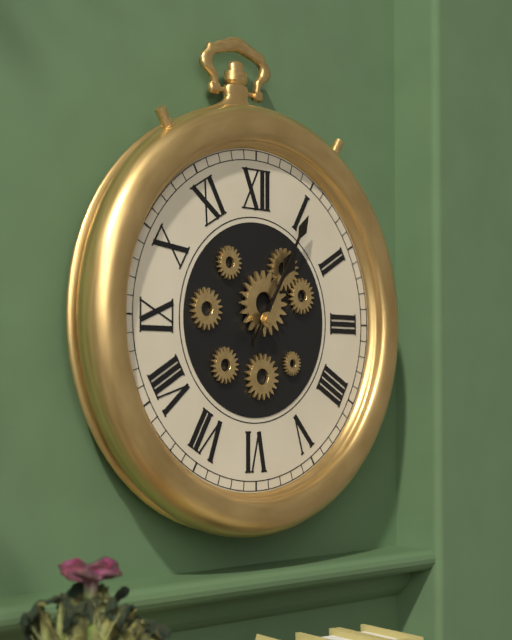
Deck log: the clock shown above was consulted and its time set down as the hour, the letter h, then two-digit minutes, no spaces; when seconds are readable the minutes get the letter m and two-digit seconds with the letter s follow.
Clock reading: 1h05
